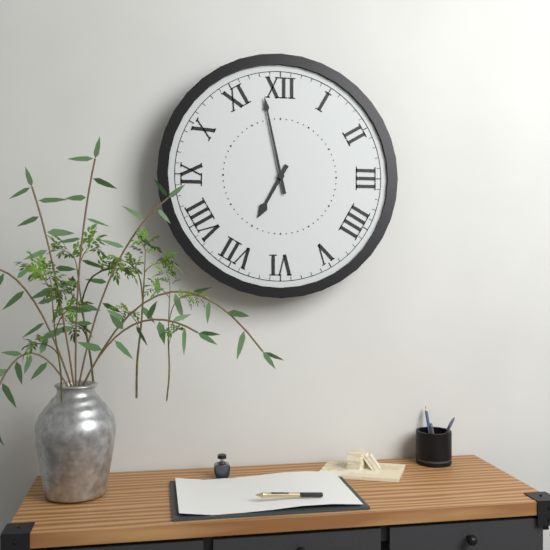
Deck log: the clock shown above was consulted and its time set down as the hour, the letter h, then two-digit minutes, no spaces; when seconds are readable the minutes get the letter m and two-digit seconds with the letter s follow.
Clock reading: 6h58
